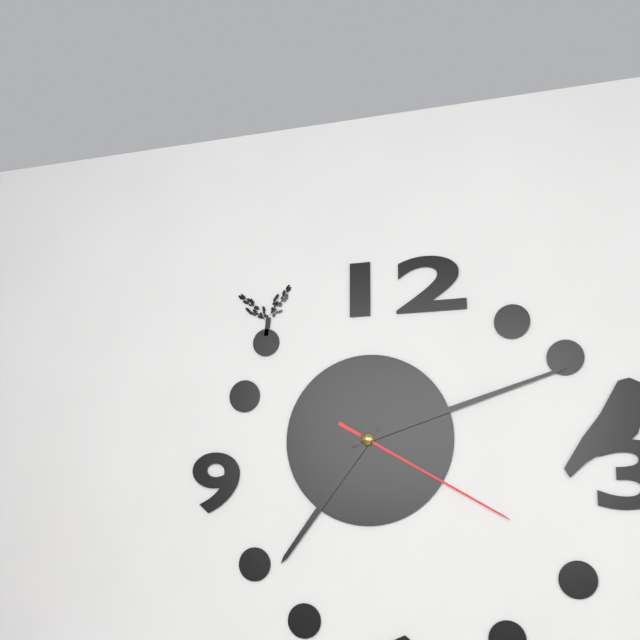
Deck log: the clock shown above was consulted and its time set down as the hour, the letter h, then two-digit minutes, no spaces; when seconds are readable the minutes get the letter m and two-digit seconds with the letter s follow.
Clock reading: 7h12m20s
